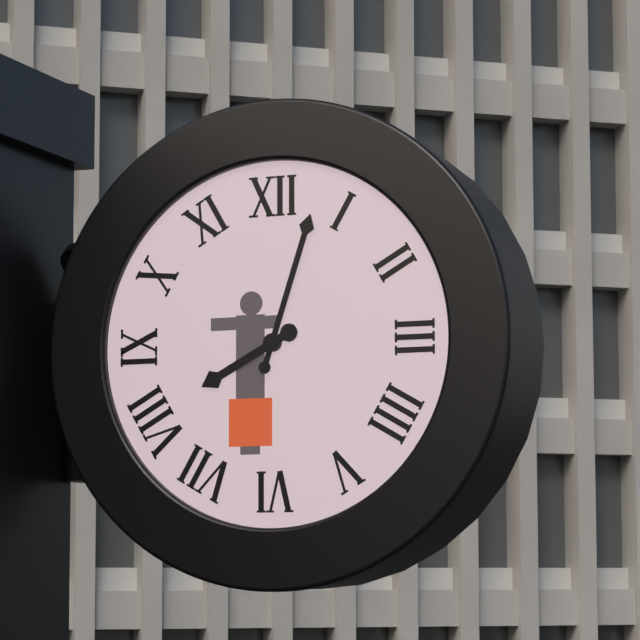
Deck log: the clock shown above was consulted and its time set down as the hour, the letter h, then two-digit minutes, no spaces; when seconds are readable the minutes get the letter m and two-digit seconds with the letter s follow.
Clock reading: 8h03
